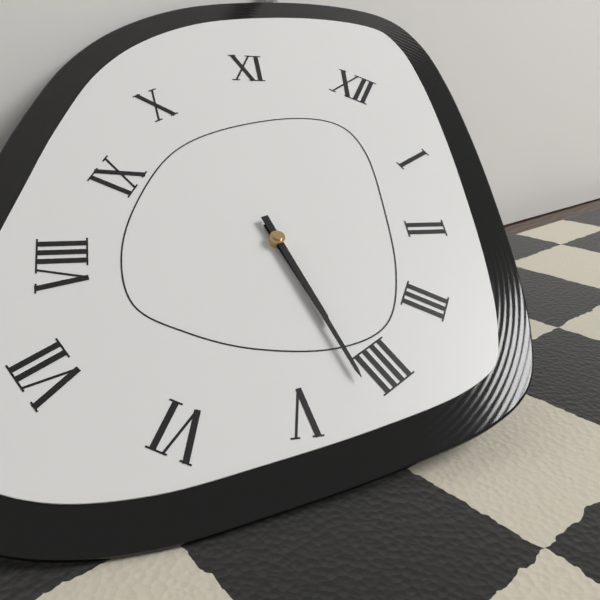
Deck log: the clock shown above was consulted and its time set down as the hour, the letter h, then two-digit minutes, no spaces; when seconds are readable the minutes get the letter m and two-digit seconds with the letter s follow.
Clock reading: 4h22
